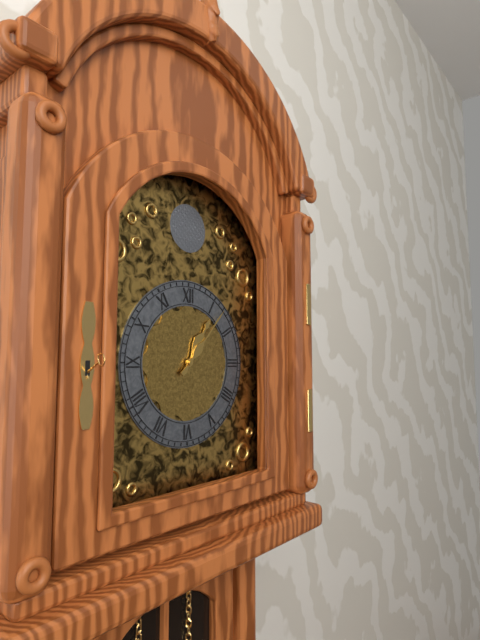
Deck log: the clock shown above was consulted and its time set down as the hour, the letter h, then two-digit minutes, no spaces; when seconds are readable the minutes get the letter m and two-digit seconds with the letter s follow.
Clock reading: 1h07
